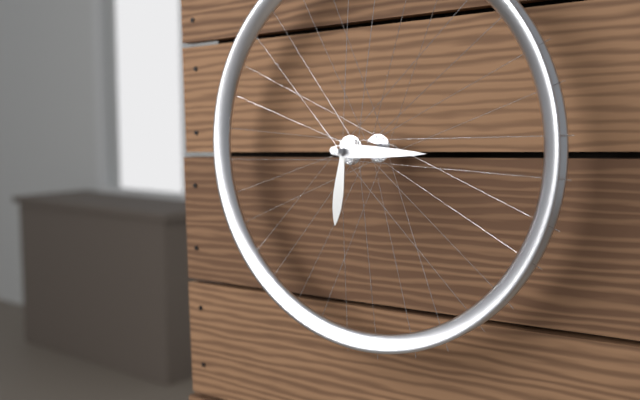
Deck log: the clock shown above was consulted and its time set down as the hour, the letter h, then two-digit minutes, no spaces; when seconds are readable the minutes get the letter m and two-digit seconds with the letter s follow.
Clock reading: 6h15
